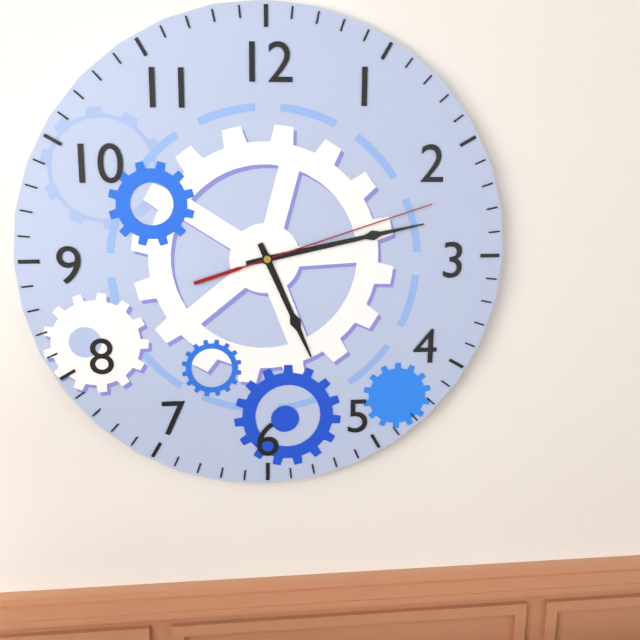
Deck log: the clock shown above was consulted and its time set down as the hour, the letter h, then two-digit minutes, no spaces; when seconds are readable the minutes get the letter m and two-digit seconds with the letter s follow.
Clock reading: 5h13m12s
